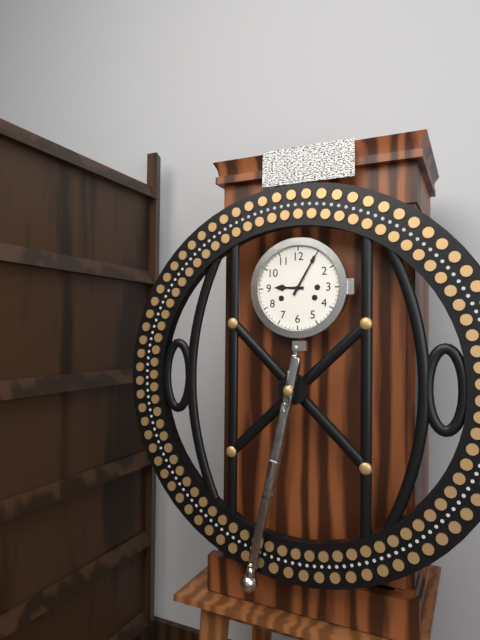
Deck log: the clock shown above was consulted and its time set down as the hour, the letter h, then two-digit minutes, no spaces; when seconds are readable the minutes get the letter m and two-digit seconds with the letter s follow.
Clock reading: 9h05
